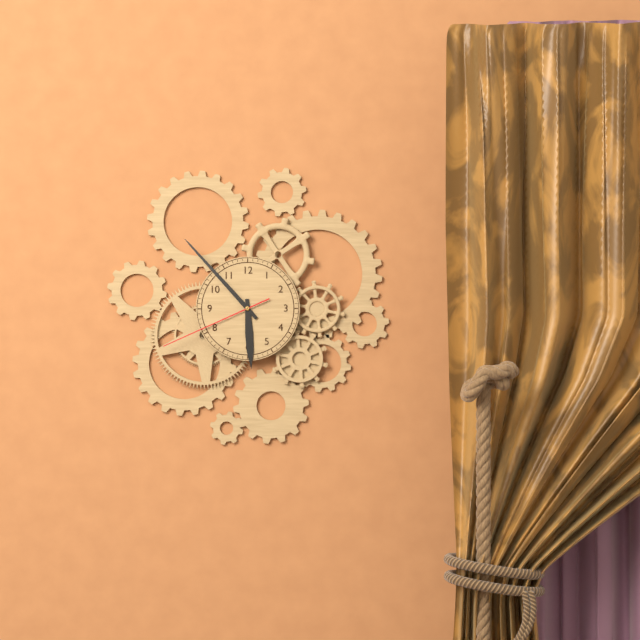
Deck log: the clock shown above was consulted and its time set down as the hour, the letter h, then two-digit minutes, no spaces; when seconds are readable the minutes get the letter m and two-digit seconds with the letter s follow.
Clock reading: 5h53m41s
